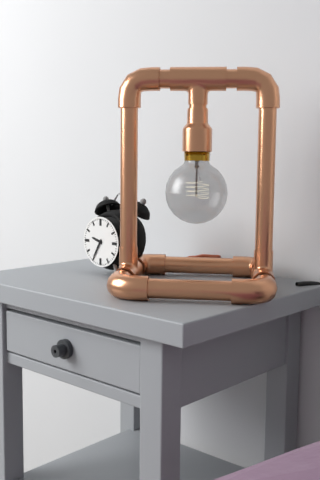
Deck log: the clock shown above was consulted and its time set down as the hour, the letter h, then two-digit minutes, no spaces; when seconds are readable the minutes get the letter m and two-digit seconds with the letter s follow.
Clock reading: 9h35
